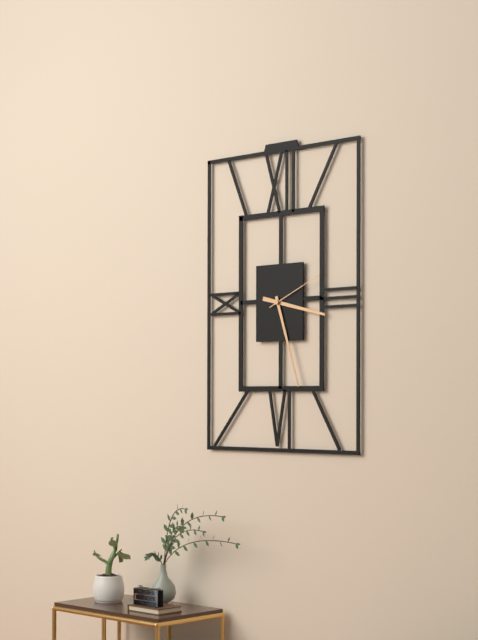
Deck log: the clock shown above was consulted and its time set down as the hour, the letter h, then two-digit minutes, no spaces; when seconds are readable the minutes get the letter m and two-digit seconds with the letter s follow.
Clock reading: 3h27m11s
